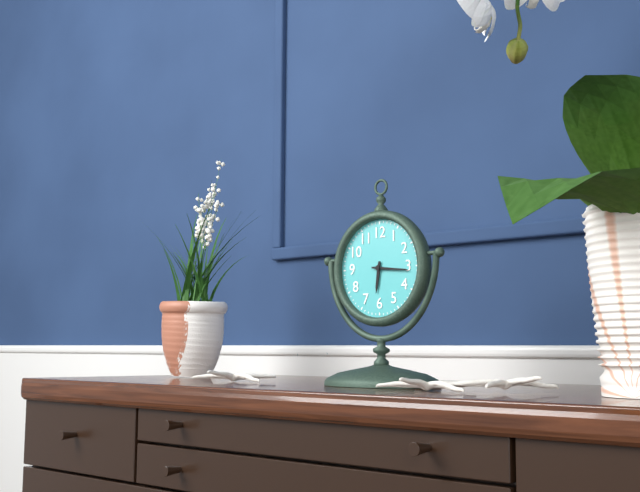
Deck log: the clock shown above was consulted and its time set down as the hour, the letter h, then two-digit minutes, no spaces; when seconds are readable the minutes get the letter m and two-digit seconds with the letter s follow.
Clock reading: 6h16
